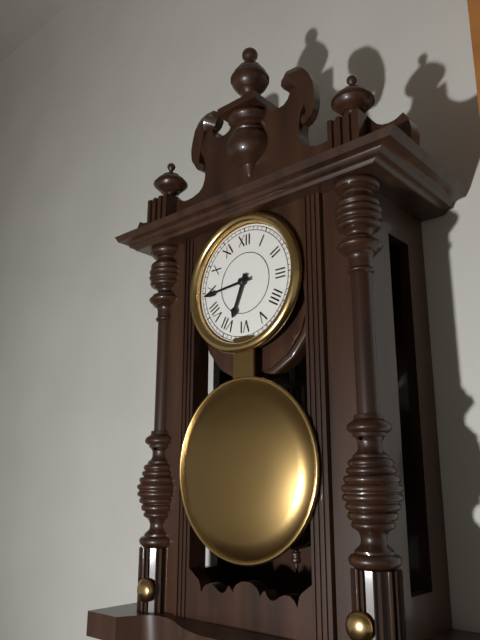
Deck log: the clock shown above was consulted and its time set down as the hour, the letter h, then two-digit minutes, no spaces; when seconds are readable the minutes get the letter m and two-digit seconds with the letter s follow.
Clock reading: 6h44
